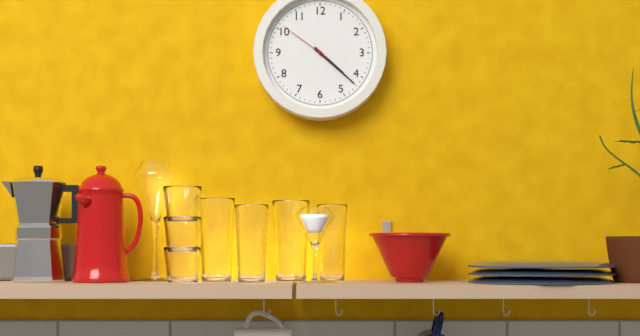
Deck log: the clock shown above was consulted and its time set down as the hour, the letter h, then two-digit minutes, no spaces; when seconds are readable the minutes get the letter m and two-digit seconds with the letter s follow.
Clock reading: 4h22m51s
